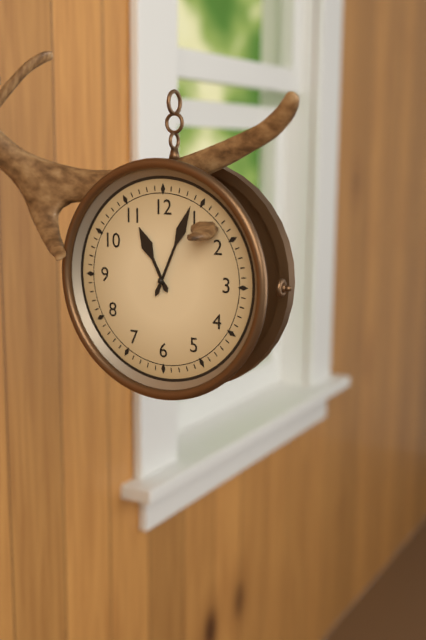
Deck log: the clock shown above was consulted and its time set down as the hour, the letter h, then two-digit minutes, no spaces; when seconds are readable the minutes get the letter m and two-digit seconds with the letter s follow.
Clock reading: 11h04
